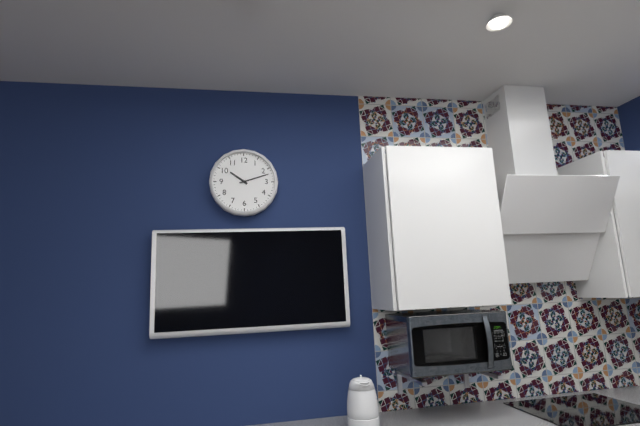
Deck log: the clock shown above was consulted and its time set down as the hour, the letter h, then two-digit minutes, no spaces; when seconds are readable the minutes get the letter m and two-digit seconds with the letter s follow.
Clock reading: 10h12
